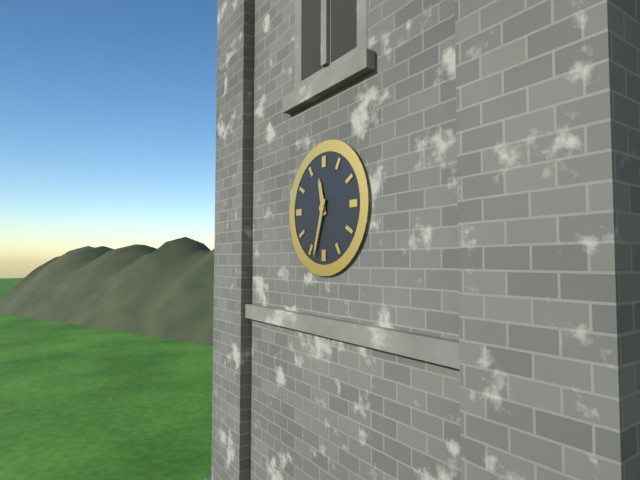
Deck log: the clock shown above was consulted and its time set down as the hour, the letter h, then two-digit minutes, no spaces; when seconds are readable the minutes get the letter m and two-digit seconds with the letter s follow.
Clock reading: 11h33
